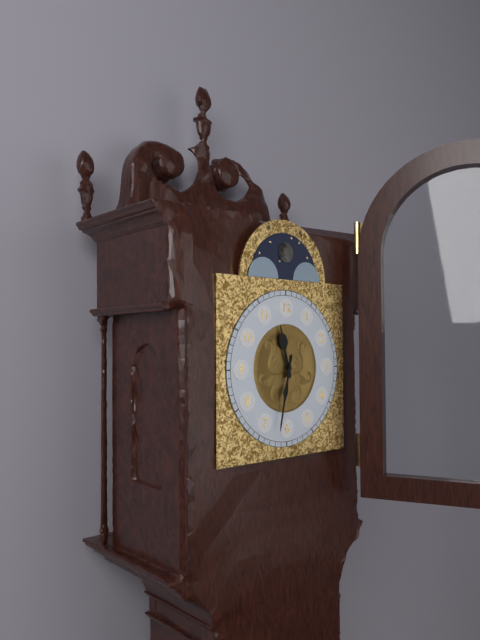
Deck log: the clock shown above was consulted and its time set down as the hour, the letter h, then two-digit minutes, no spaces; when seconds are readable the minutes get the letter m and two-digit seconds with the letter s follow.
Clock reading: 11h32
